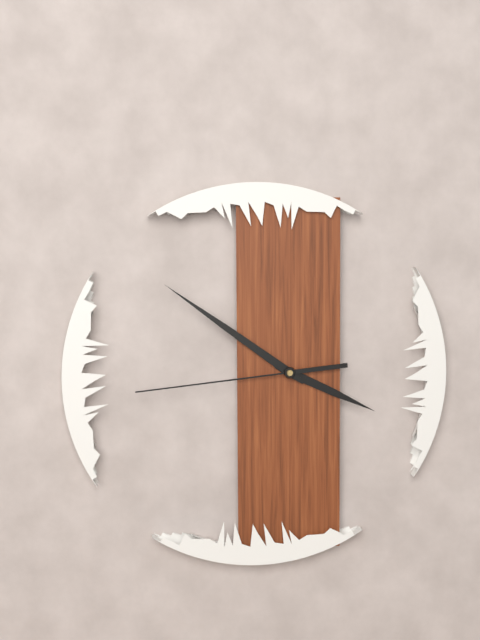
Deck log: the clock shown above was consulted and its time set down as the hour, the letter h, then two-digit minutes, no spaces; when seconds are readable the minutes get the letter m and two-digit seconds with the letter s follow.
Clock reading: 3h51m44s
